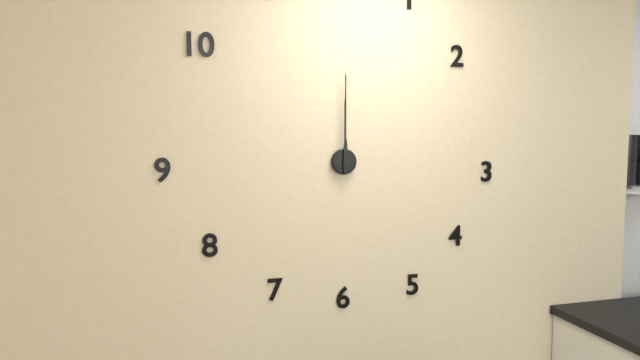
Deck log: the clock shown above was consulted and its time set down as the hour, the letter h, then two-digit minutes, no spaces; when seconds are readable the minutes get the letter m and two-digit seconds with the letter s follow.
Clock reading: 12h00
